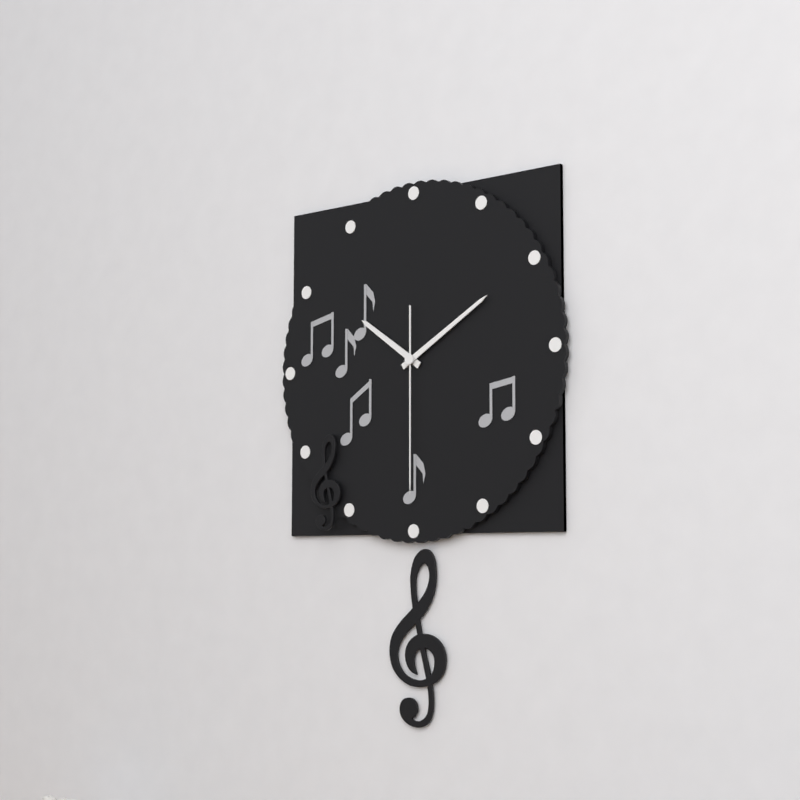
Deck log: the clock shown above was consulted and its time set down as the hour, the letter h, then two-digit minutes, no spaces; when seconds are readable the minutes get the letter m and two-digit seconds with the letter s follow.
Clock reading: 10h10m30s
